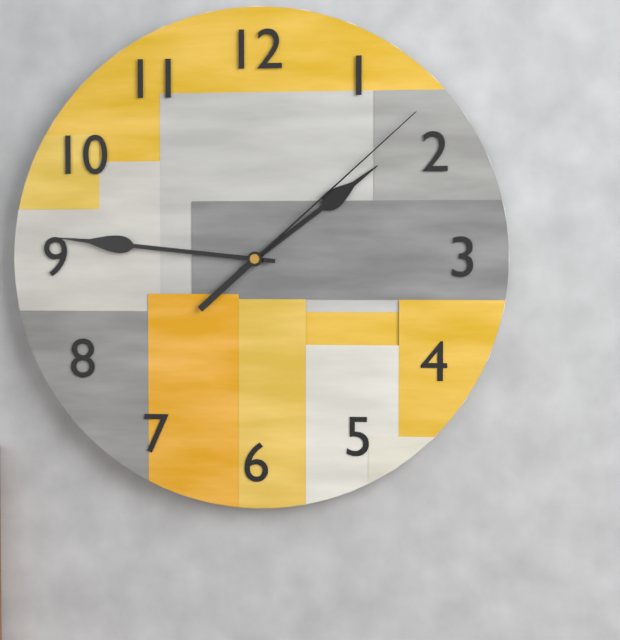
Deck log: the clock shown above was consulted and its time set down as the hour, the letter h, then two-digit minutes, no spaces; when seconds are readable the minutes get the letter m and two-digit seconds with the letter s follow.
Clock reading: 1h46m08s
